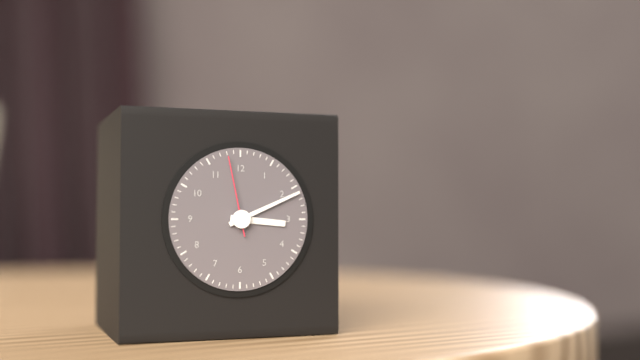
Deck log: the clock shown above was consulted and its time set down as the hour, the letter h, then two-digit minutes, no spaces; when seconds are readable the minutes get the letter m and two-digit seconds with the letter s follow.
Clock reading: 3h11m58s
